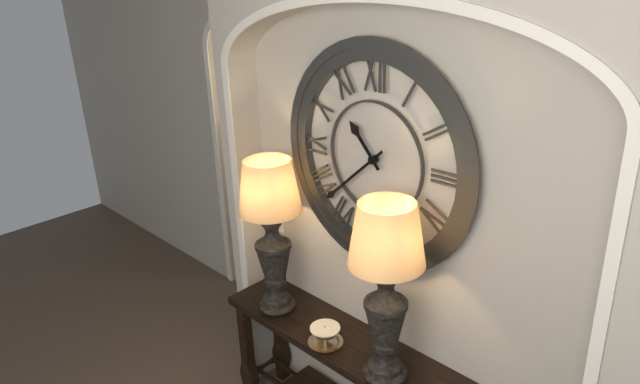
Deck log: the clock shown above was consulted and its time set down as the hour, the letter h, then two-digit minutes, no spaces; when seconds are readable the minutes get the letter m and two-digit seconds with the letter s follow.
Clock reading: 10h38
